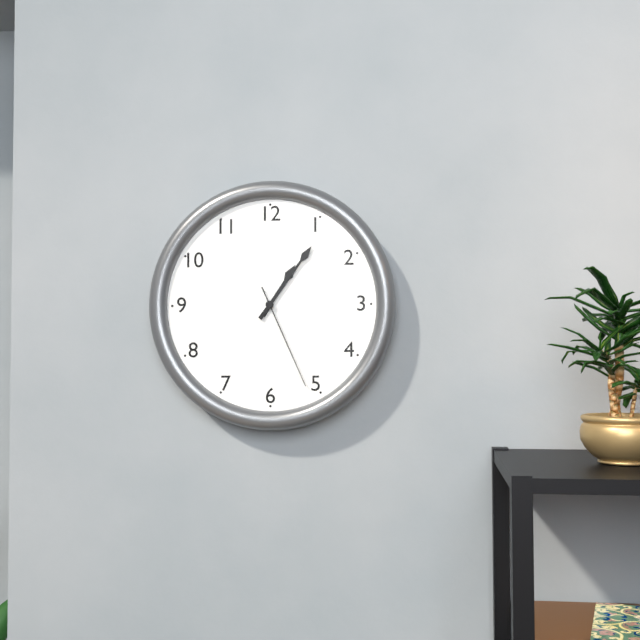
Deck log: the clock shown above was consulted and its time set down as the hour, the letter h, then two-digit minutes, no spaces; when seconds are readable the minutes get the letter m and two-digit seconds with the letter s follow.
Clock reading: 1h06m26s
